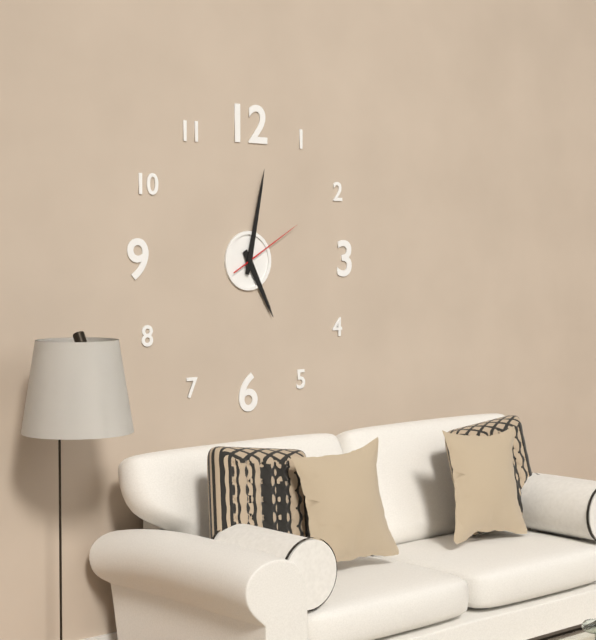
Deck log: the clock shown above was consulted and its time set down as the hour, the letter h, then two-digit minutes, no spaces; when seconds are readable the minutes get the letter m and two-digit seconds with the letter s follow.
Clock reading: 5h02m10s
